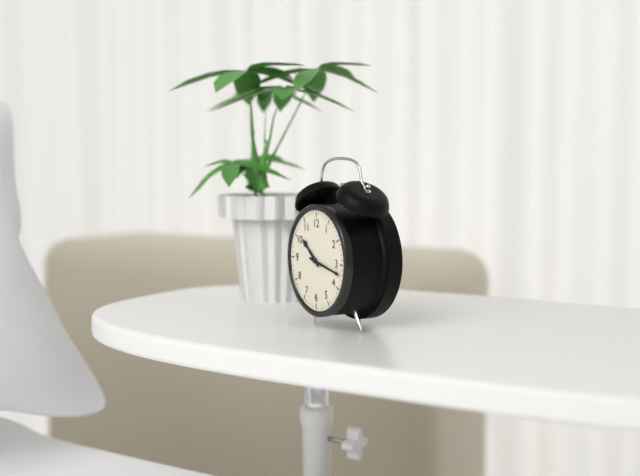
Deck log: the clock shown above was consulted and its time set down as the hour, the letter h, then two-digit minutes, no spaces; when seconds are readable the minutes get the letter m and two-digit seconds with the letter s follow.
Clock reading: 10h17
